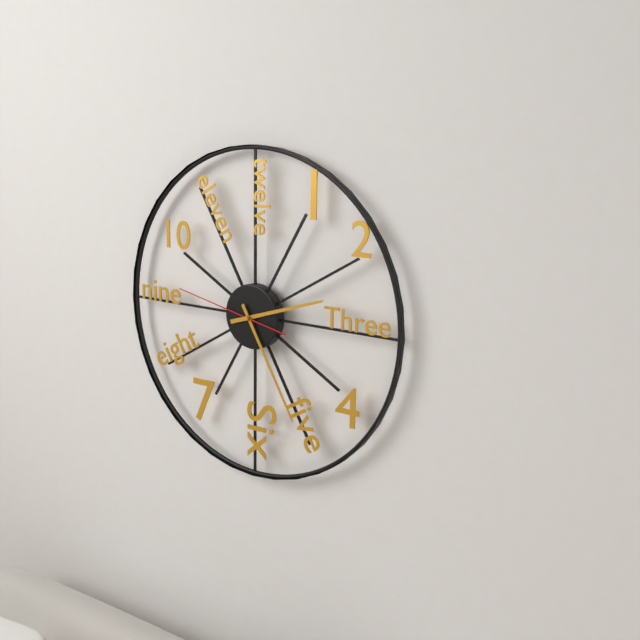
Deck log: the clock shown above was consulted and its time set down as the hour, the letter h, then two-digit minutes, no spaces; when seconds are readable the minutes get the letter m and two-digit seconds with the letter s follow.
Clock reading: 2h25m47s
